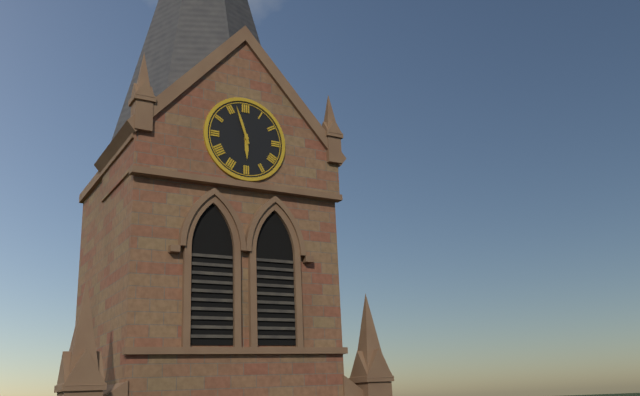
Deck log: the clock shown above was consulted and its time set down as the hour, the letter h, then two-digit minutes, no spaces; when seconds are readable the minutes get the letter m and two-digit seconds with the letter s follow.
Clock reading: 5h57
